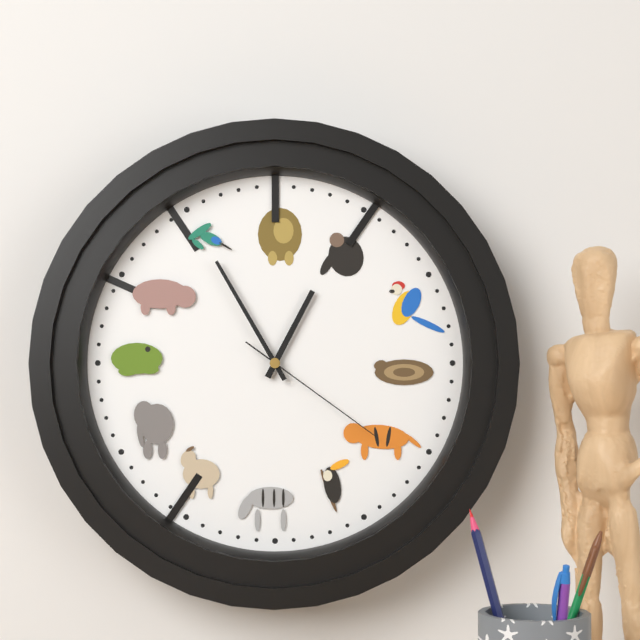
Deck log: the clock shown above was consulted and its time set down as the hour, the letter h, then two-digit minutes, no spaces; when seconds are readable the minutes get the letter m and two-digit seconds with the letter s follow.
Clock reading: 12h55m21s
